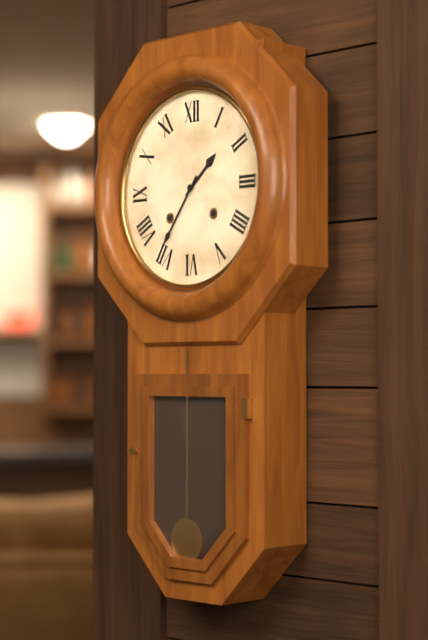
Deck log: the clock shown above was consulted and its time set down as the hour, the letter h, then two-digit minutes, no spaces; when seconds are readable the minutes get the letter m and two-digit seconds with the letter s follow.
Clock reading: 1h36
